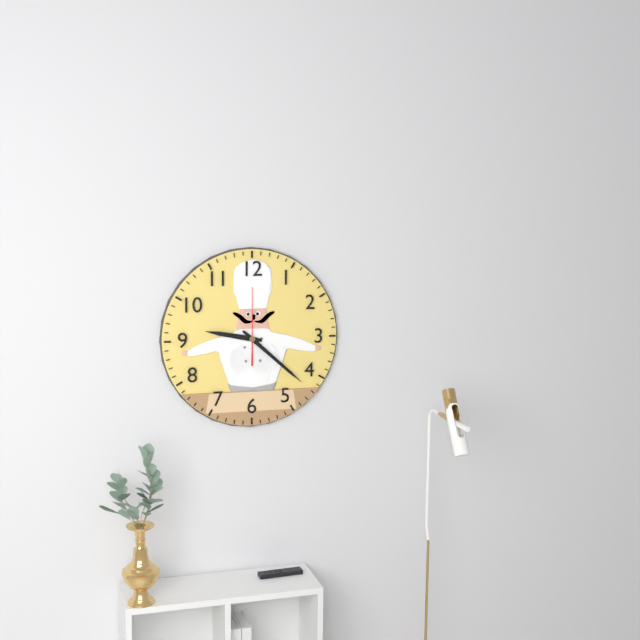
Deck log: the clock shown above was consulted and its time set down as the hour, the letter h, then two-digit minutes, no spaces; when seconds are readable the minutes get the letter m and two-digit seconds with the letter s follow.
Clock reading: 9h22m00s
